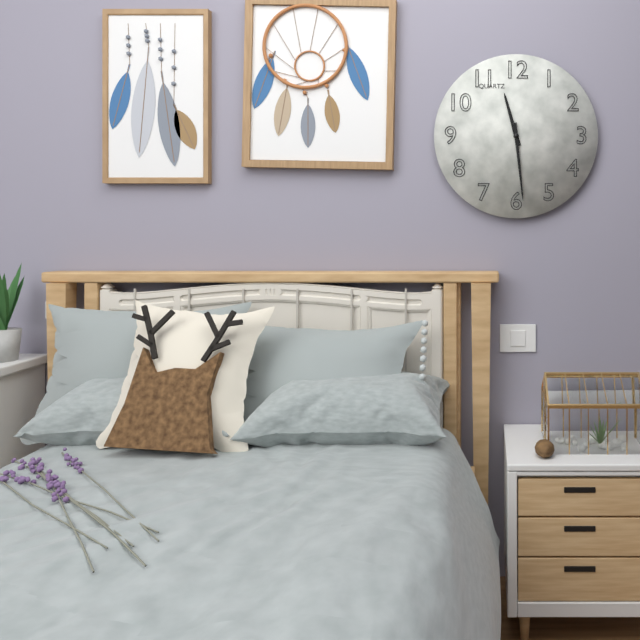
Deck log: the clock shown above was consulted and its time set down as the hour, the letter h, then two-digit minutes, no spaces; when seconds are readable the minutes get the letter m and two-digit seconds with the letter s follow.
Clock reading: 11h29
